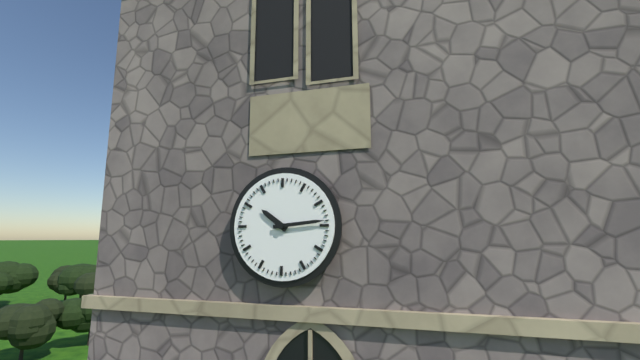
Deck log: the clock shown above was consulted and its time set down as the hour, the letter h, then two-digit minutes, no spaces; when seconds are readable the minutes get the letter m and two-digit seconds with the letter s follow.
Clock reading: 10h14
